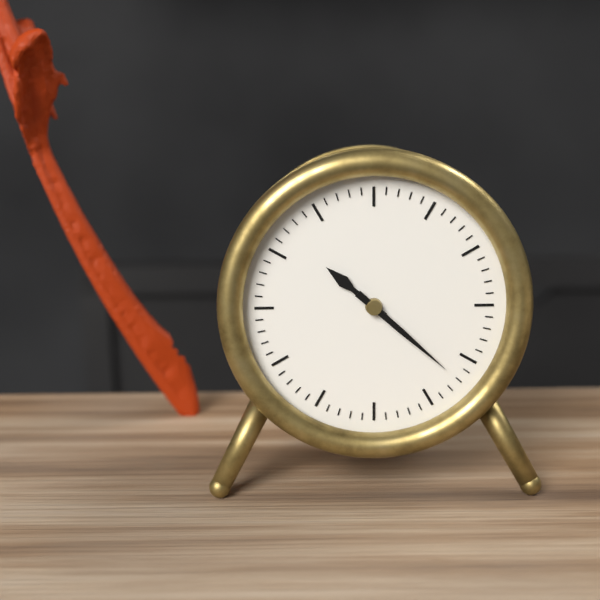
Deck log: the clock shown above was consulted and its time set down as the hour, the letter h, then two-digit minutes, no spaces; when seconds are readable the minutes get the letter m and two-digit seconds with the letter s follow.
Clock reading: 10h22
